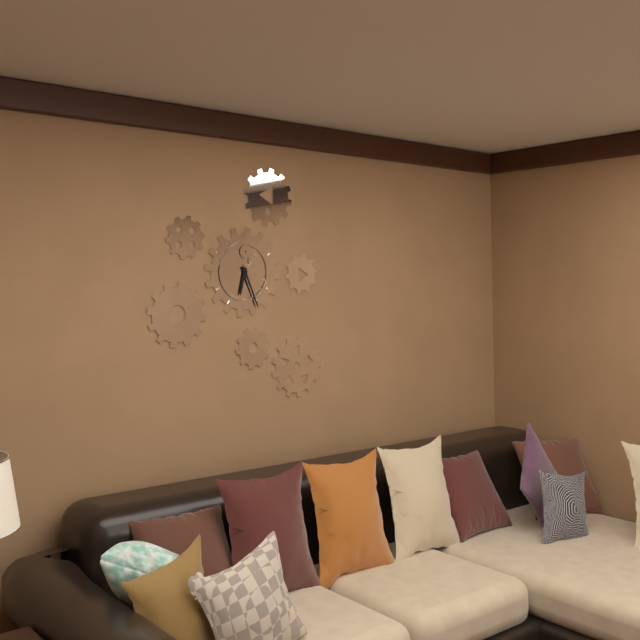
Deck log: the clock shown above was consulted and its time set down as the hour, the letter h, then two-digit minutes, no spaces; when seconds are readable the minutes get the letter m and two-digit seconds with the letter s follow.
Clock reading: 6h26
